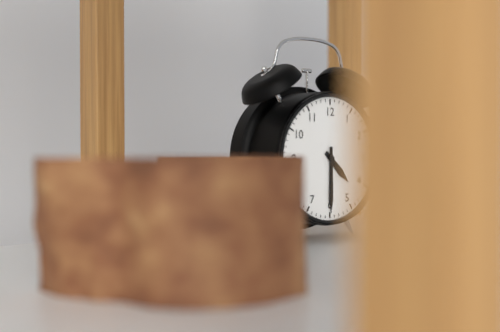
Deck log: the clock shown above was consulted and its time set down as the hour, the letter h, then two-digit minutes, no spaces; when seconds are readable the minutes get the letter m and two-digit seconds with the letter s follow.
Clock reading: 4h30
